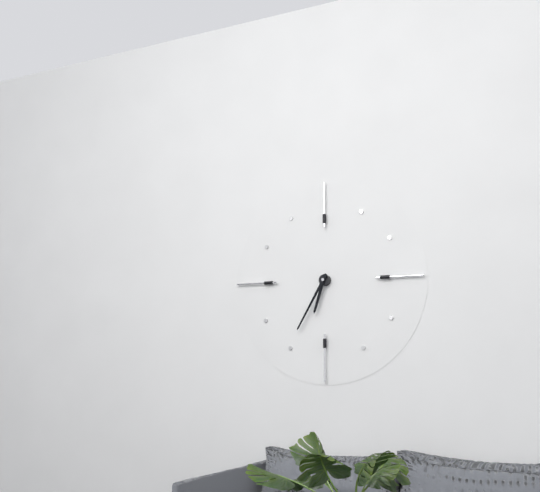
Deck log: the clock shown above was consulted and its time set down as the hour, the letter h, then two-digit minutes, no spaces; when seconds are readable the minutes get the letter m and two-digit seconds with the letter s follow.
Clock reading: 6h35
